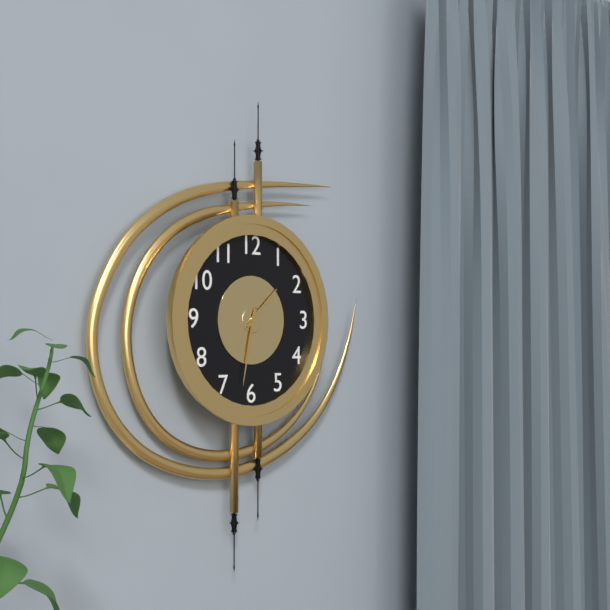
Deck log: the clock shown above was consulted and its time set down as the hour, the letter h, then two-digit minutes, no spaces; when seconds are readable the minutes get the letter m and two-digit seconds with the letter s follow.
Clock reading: 1h32
